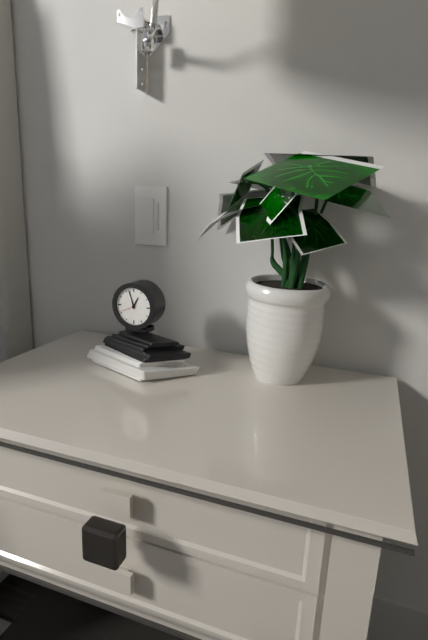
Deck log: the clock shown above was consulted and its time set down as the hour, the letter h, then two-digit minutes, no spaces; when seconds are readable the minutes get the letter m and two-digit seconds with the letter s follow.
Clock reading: 12h57
